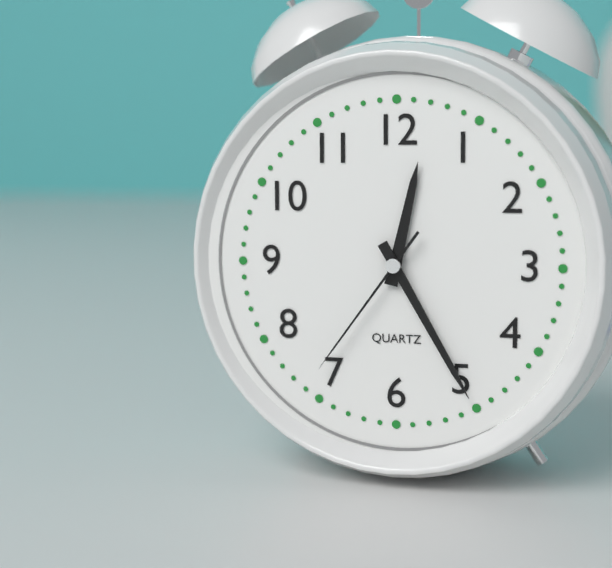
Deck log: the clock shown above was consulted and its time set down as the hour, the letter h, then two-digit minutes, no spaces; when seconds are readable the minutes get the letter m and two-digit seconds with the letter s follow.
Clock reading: 12h25m36s
